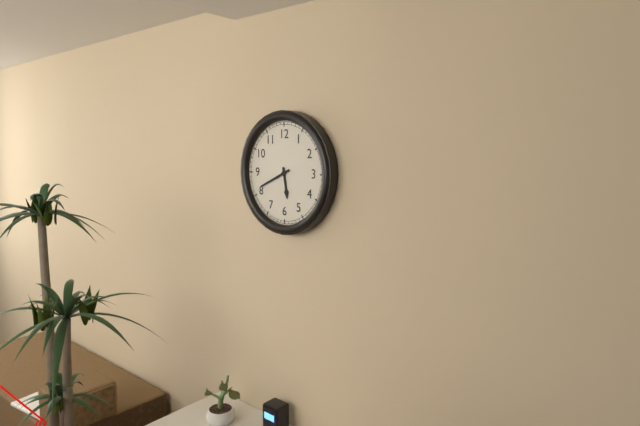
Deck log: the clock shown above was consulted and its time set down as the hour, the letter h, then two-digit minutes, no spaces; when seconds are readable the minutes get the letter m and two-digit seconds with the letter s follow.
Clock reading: 5h41
